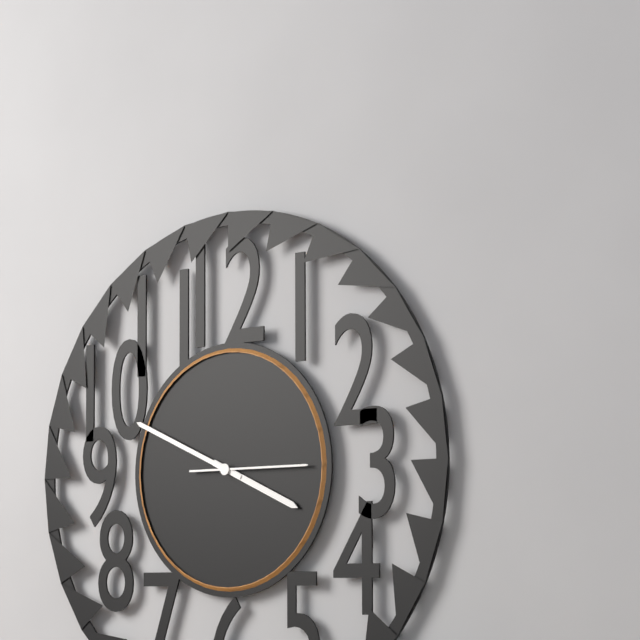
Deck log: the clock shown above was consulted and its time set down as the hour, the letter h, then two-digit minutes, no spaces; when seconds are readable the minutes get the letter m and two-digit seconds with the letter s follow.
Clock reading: 3h49m15s
